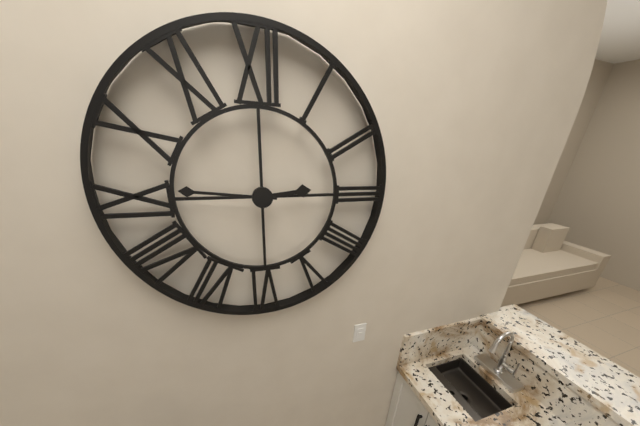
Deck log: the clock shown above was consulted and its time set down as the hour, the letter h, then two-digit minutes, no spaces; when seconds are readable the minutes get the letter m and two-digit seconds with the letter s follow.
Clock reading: 2h46
